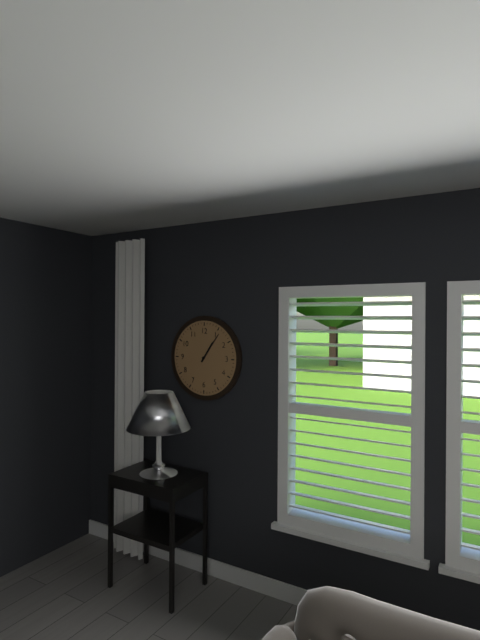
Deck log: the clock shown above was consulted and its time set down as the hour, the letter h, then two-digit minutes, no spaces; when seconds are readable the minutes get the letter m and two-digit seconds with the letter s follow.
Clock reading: 1h06
